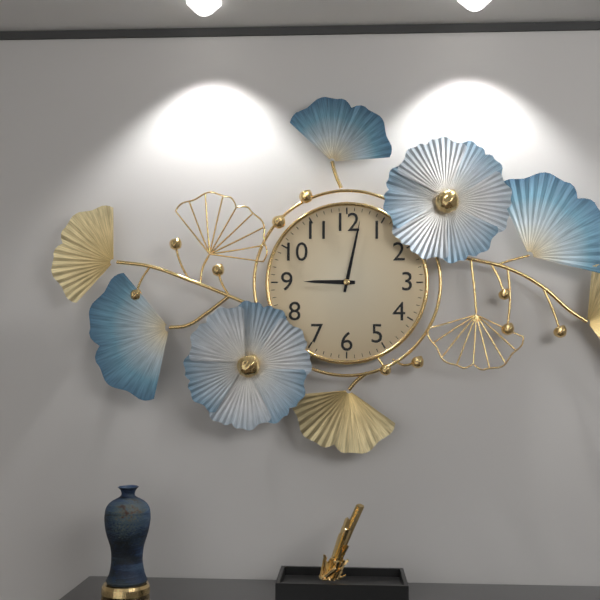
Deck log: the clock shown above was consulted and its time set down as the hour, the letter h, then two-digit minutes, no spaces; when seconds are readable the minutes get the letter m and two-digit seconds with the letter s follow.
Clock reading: 9h02
